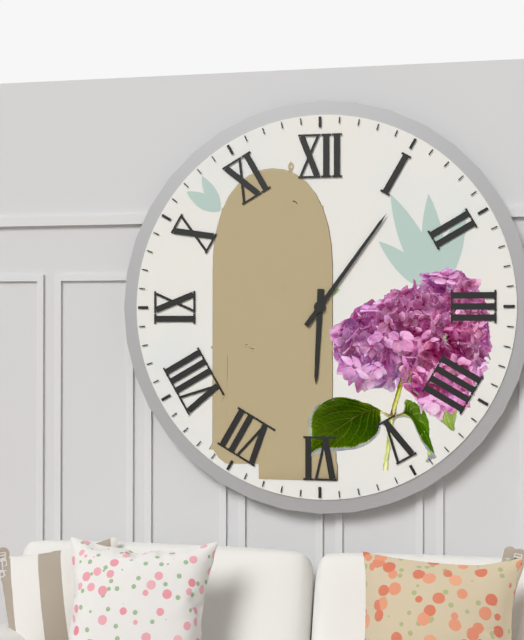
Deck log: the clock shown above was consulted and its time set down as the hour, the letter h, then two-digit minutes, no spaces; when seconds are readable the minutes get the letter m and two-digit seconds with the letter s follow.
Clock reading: 6h06
